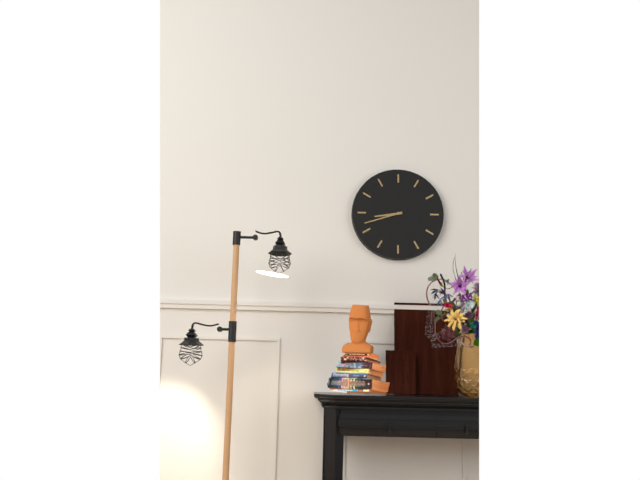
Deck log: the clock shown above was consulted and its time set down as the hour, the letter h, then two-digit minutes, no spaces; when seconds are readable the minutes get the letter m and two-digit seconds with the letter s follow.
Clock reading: 8h42
